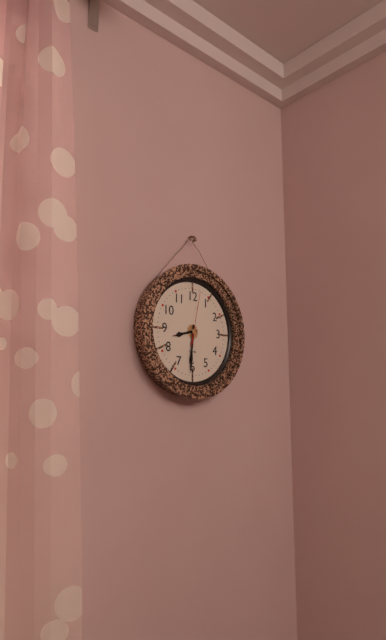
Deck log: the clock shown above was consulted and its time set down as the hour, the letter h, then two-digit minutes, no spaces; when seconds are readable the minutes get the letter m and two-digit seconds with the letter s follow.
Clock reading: 8h31m02s
